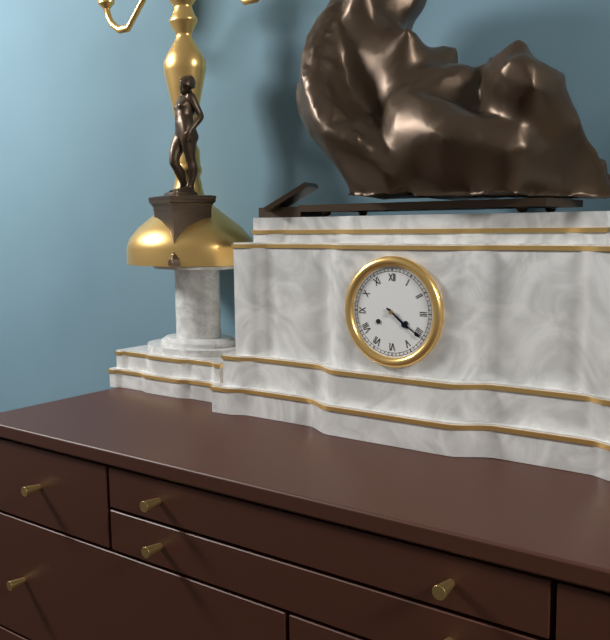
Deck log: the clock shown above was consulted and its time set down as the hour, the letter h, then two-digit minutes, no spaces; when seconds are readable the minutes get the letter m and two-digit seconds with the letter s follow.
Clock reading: 4h21
